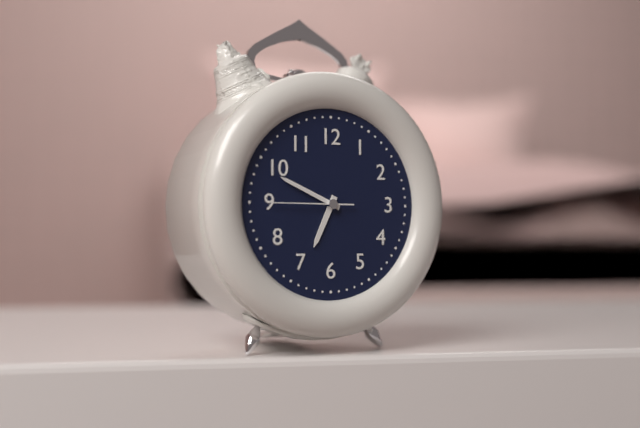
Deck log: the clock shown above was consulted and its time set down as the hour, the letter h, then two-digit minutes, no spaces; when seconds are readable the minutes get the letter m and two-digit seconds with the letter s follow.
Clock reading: 6h49m45s
